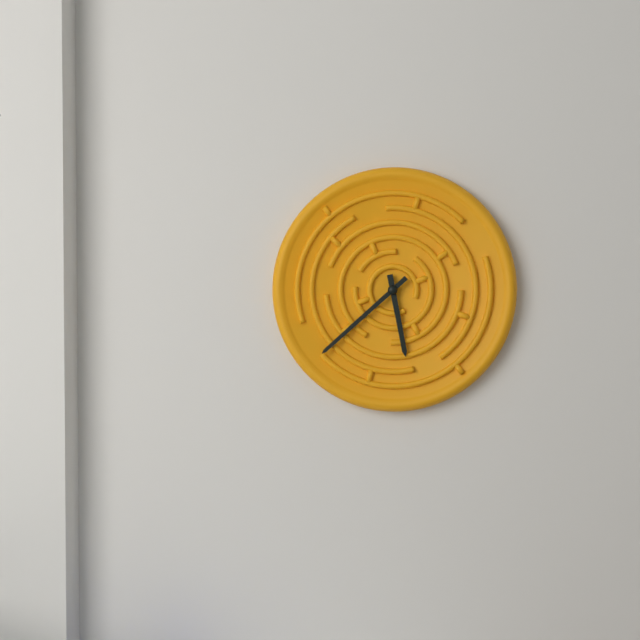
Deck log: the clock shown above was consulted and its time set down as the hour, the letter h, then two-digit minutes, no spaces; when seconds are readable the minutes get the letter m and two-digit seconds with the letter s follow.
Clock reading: 5h38
